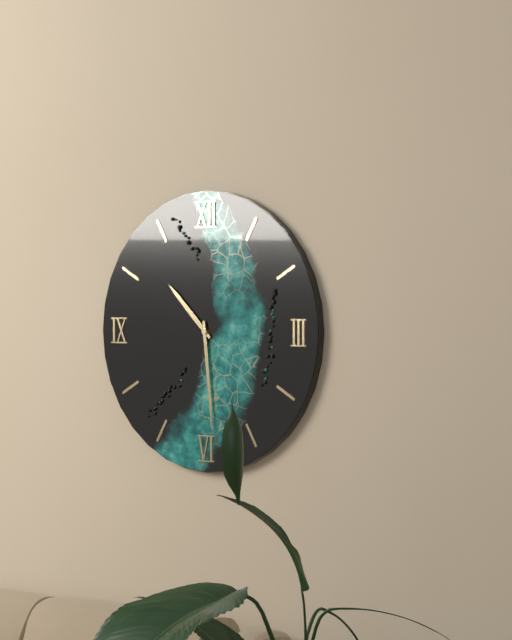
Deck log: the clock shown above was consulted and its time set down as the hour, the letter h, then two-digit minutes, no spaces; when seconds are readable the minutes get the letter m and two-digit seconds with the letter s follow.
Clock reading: 10h29
